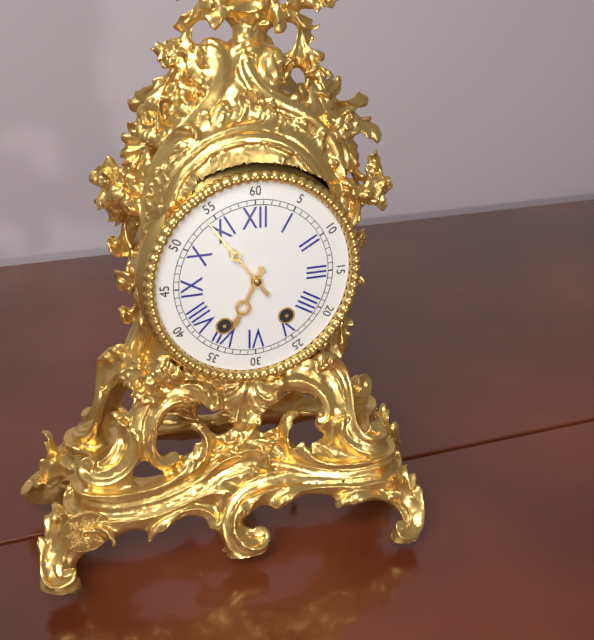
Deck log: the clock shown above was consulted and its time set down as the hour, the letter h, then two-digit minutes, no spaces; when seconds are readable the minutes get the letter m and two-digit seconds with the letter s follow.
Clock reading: 6h54
